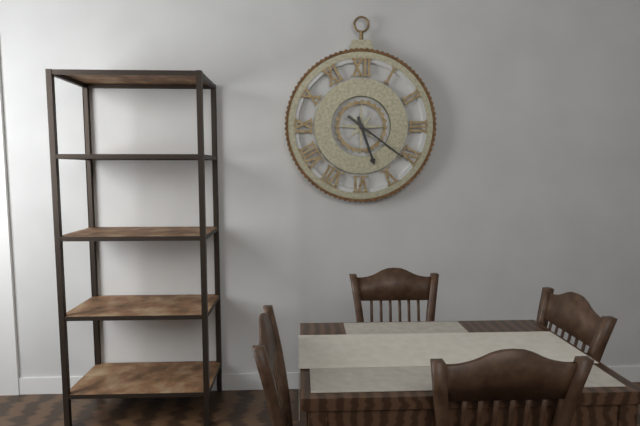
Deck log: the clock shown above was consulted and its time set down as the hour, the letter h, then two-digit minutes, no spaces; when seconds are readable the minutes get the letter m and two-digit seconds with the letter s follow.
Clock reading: 5h21
